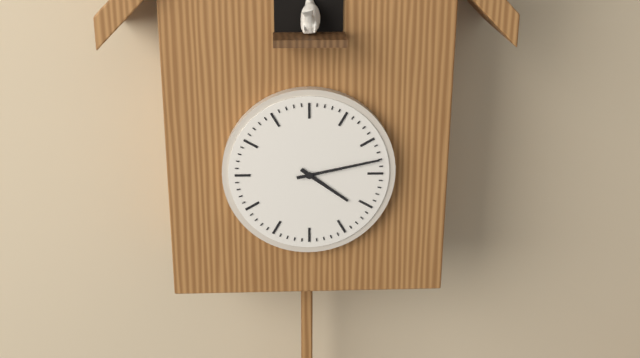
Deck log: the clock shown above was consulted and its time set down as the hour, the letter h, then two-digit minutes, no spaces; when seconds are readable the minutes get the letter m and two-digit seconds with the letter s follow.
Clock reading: 4h13
